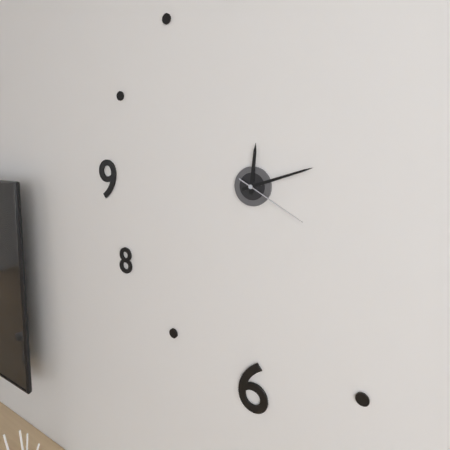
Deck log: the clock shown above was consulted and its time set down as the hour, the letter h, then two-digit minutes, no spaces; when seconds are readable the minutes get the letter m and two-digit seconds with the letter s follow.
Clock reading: 12h12m20s
